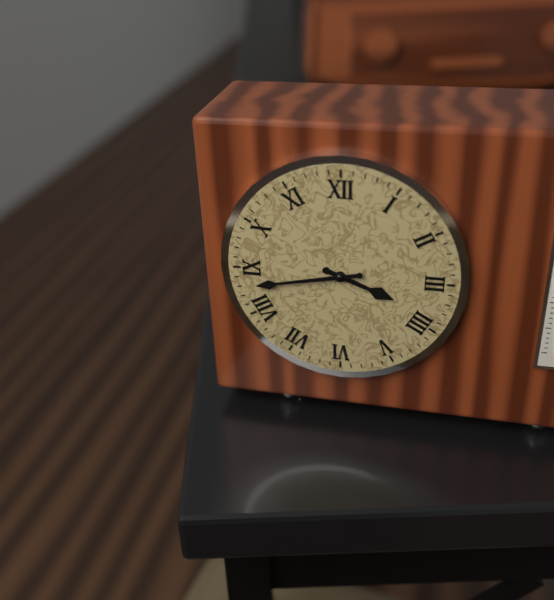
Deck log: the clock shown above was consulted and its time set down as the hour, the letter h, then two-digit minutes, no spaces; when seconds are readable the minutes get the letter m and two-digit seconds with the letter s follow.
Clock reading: 3h43
